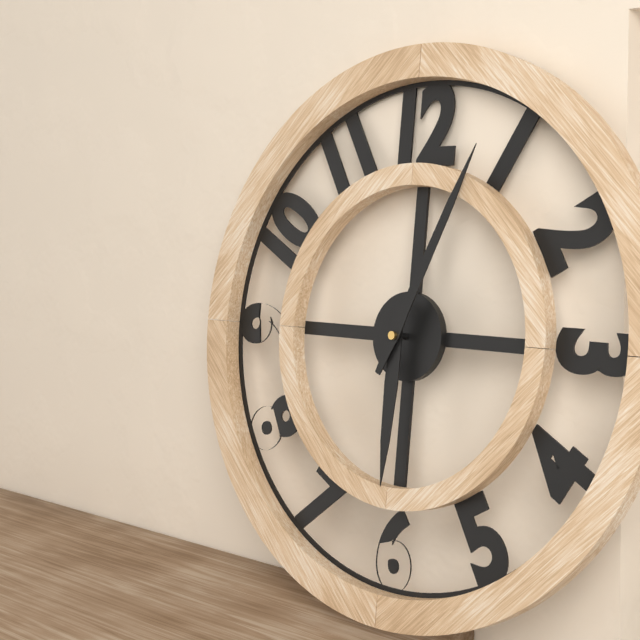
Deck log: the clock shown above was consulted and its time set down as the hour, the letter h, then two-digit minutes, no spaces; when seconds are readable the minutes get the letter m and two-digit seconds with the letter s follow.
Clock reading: 6h04
